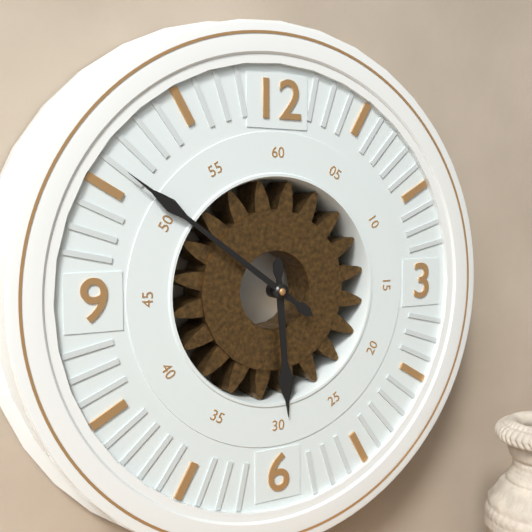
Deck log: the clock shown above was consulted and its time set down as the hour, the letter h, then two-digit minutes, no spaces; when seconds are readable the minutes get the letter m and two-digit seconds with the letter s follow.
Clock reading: 5h51
